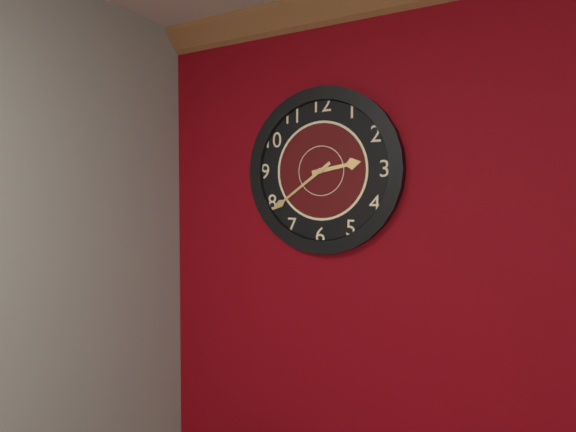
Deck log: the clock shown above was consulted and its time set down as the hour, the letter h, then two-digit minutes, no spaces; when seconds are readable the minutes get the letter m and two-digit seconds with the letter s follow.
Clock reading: 2h39
